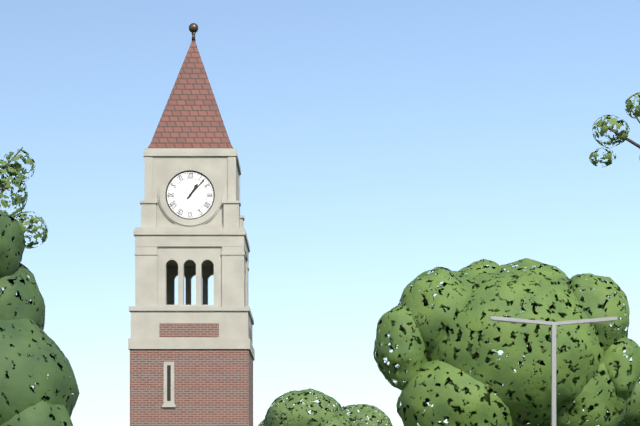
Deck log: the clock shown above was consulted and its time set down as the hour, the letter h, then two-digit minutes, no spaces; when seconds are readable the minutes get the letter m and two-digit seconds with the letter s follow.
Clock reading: 1h07
